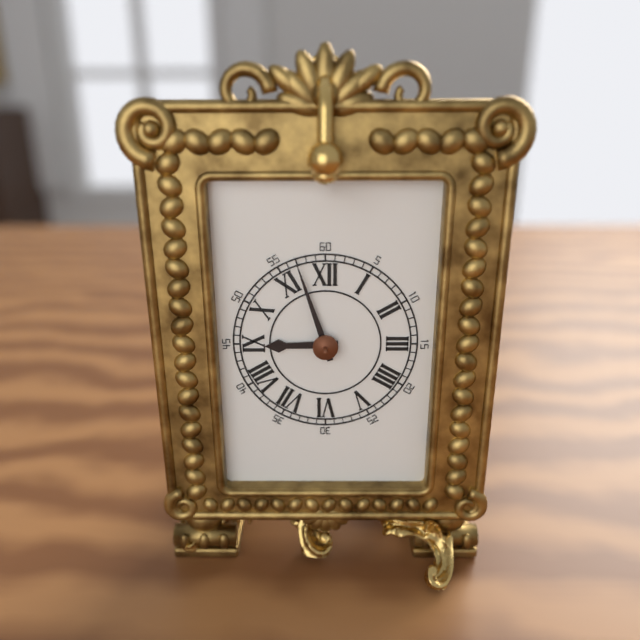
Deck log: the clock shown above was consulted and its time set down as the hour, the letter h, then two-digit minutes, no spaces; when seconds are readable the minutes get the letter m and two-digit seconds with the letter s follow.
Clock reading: 8h57
